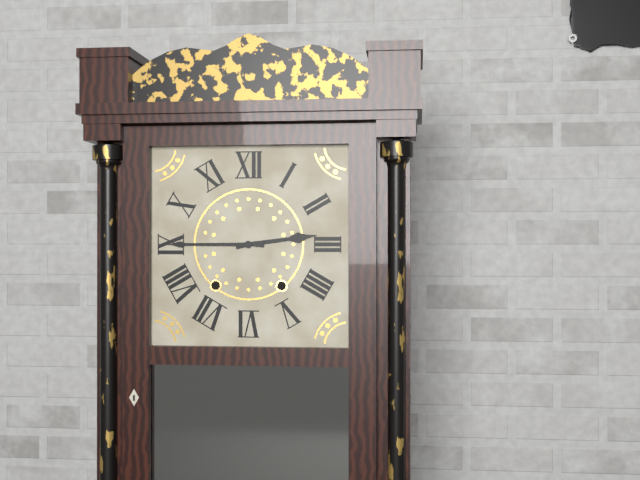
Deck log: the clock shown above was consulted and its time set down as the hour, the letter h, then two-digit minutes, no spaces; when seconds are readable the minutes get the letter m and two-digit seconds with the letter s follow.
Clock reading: 2h45
